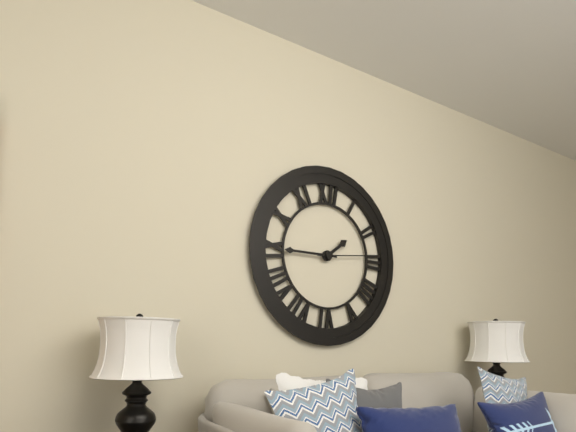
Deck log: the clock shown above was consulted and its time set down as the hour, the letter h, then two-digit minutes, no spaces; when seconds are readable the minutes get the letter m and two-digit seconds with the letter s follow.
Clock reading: 1h45
